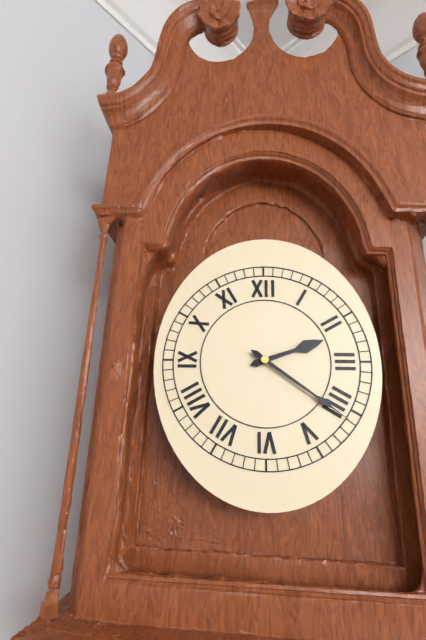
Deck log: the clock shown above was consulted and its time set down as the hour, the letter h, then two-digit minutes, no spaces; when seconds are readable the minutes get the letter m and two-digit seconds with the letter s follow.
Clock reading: 2h21
